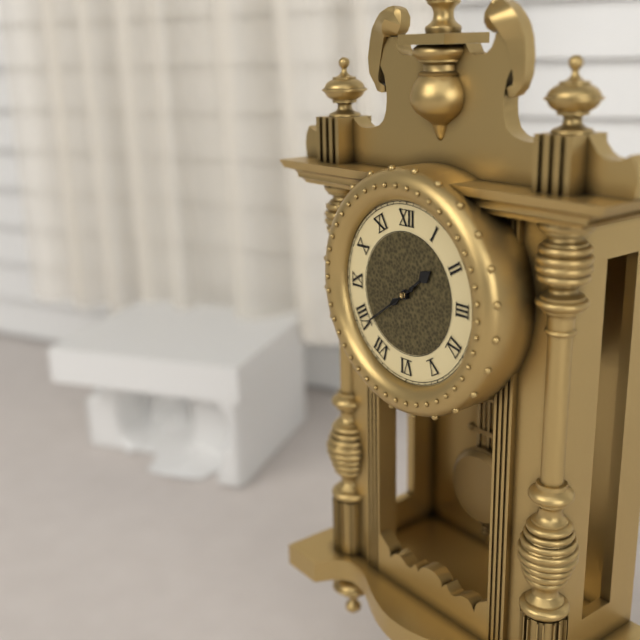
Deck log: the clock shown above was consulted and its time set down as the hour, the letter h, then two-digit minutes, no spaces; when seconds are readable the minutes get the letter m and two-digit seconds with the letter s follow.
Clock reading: 1h39
